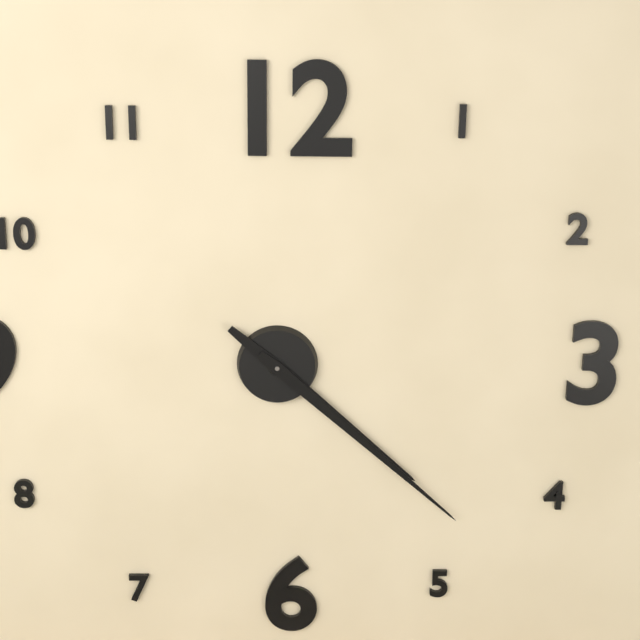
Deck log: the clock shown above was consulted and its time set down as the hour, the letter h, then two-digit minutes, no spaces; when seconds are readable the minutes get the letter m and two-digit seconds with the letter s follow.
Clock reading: 4h22
